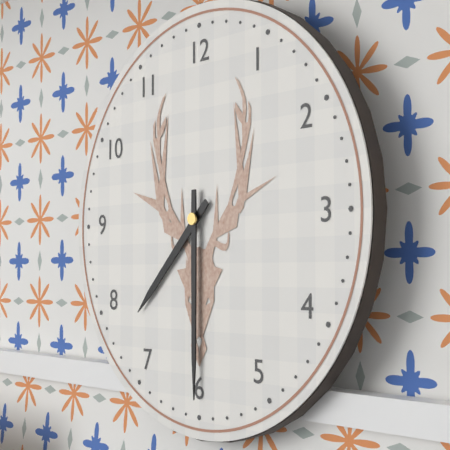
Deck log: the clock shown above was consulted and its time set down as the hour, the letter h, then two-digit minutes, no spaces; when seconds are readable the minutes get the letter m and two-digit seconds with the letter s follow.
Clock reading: 7h30
